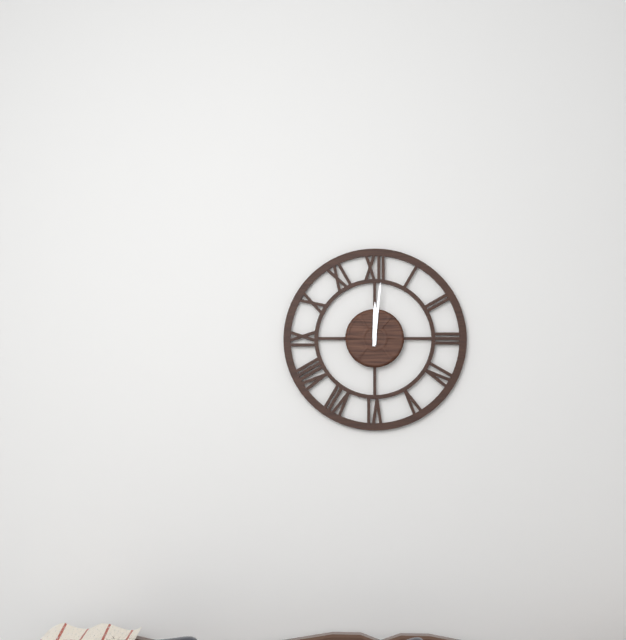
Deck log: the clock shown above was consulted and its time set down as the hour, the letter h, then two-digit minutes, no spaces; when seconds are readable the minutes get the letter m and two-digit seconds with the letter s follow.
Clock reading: 12h01
